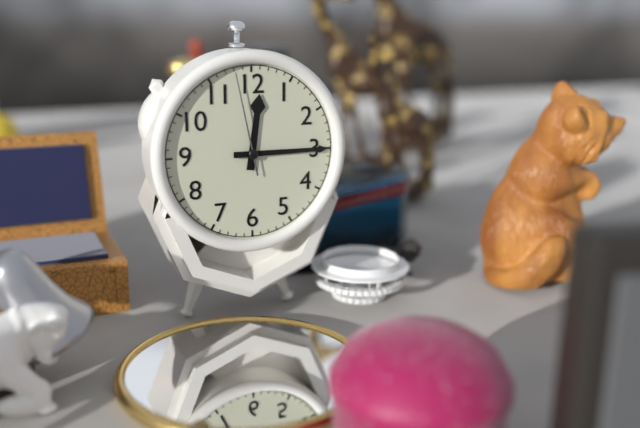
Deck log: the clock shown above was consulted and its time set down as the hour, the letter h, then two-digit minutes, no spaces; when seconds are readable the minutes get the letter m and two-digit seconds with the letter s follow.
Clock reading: 12h15m58s
